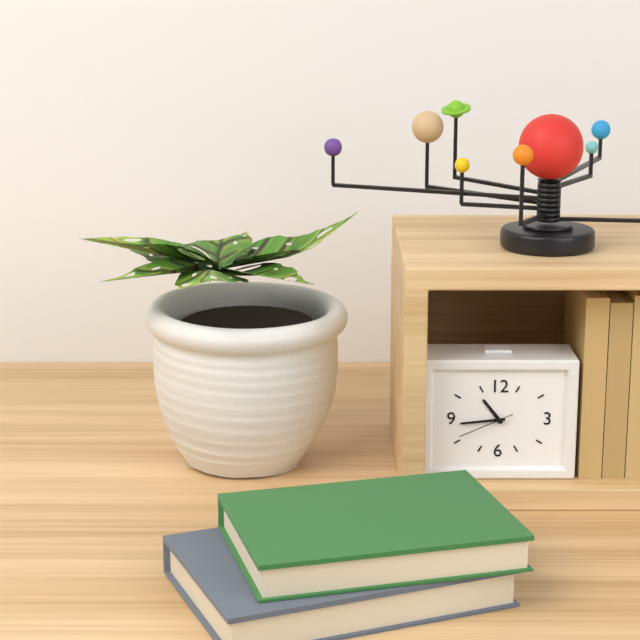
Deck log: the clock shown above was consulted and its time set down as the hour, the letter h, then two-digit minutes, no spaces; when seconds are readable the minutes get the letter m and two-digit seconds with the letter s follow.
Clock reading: 10h44m41s
